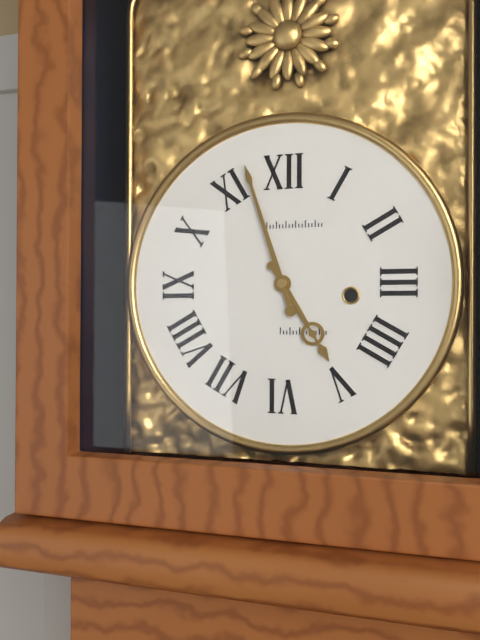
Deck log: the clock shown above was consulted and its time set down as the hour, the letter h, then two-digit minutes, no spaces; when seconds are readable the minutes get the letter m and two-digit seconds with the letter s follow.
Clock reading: 4h57
